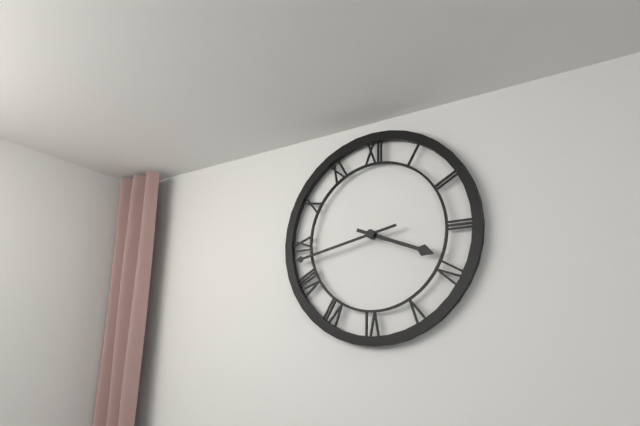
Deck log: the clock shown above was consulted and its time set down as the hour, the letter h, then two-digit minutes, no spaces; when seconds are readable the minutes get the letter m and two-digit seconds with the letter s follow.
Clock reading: 3h43
